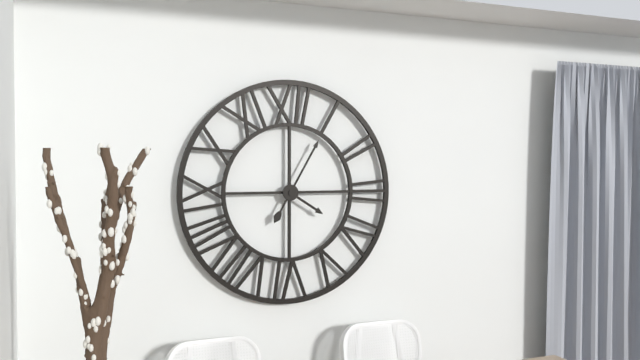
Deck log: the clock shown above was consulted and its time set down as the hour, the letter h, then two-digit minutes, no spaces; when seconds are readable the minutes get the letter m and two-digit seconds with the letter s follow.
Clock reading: 4h05
